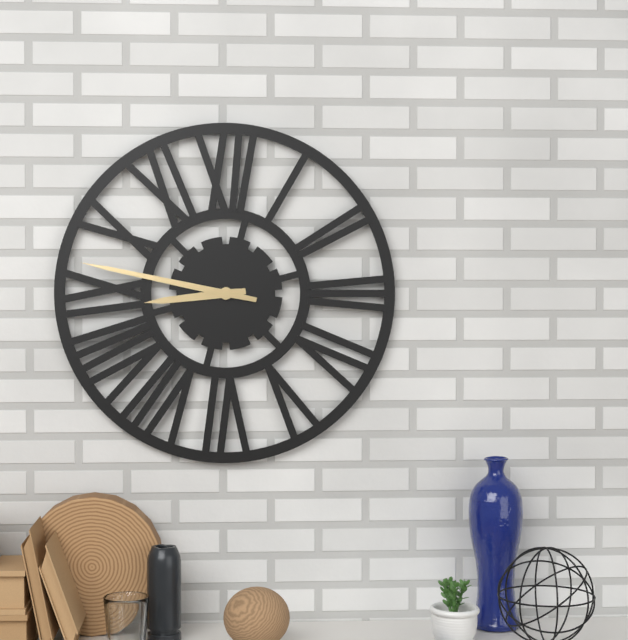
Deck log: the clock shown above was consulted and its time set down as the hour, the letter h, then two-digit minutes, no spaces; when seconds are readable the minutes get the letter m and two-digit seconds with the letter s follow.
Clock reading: 8h47
